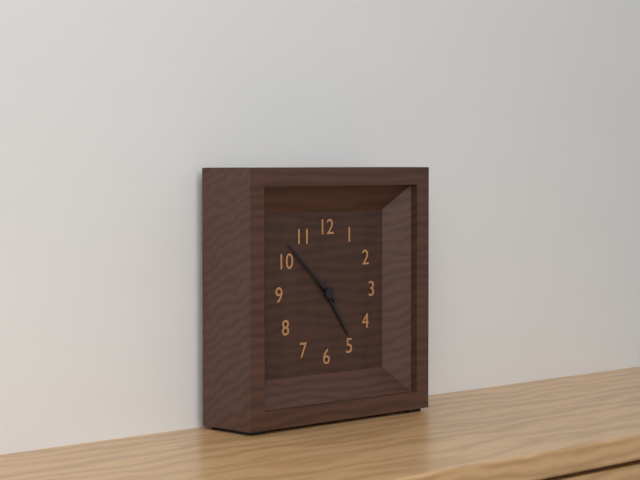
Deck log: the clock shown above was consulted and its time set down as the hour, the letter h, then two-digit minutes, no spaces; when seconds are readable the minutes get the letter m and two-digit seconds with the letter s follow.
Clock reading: 4h52
